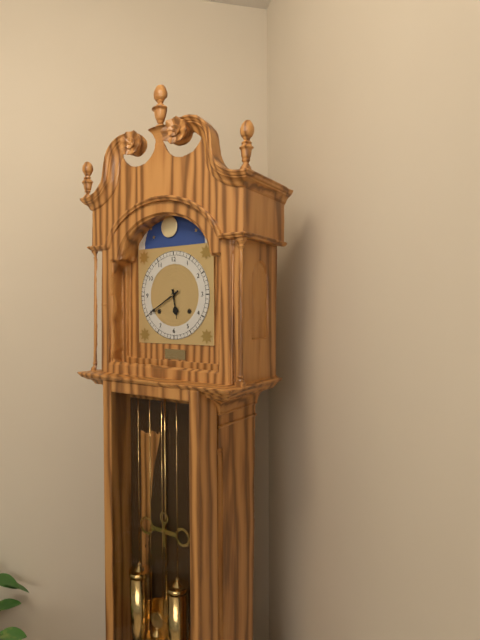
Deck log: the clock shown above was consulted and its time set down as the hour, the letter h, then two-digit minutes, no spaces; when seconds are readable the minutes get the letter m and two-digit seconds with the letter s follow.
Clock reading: 5h40
